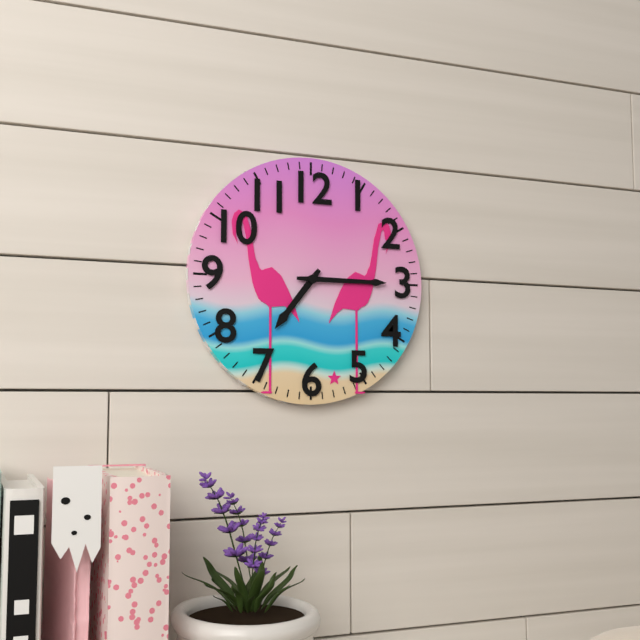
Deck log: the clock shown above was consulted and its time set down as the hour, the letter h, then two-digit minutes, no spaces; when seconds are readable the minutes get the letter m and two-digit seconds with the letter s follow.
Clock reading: 7h15
